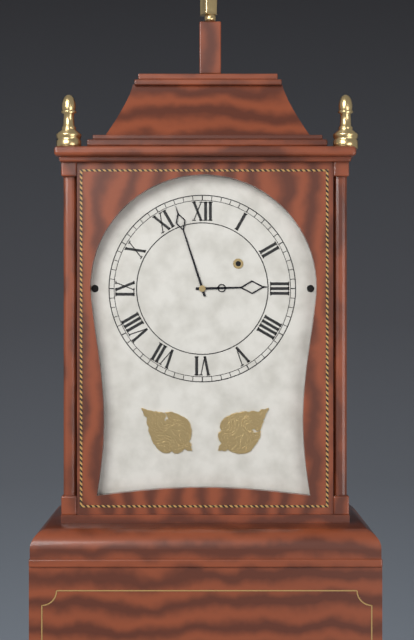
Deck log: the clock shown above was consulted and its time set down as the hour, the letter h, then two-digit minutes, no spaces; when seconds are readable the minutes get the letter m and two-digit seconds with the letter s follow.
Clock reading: 2h57
